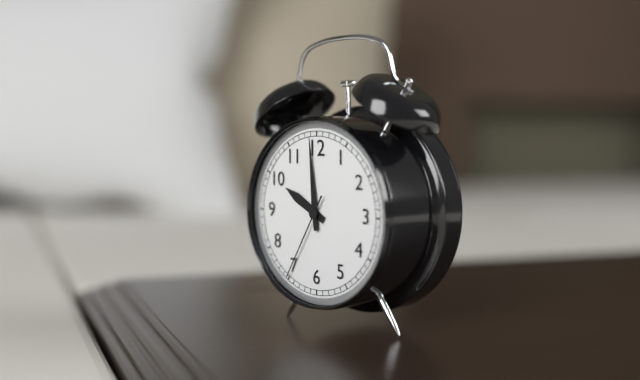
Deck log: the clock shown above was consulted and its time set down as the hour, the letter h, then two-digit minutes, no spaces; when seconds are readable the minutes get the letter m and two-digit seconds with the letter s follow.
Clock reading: 9h59m35s
